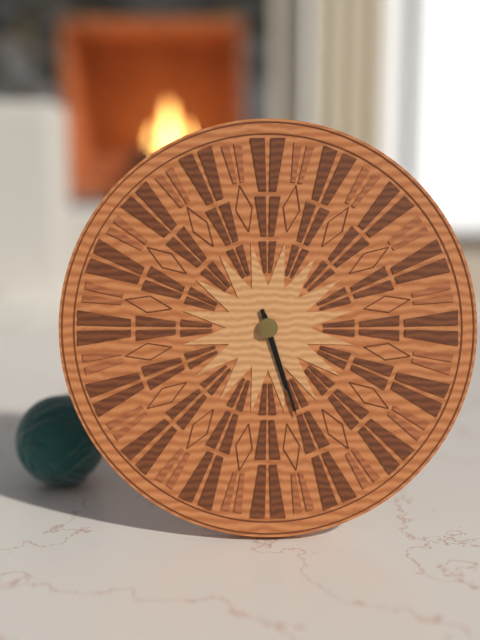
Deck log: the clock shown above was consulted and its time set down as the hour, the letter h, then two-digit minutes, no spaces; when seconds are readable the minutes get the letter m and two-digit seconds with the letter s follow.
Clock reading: 5h27
